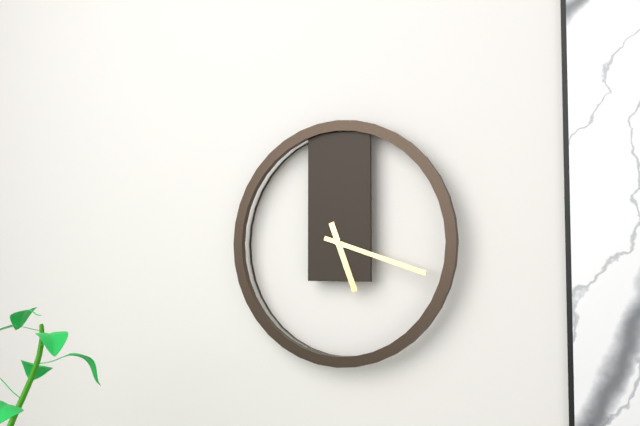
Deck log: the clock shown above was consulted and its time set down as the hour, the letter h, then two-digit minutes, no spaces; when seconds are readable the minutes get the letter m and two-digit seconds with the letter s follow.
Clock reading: 5h18
